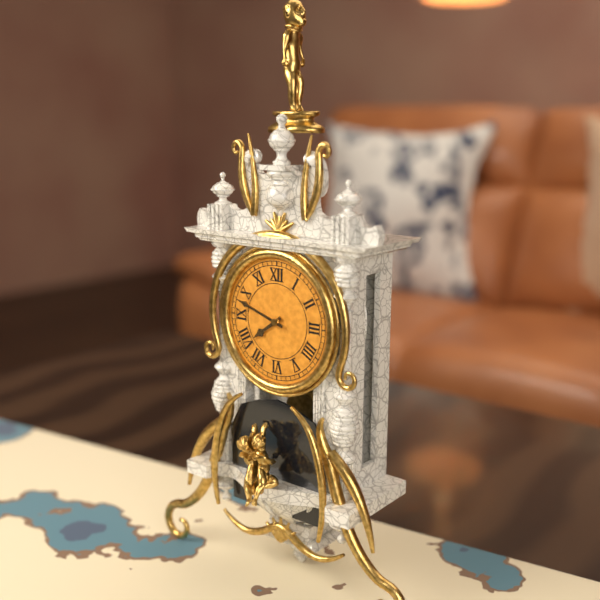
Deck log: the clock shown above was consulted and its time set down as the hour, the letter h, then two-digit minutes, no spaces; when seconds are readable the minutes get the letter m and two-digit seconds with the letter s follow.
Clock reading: 7h48
